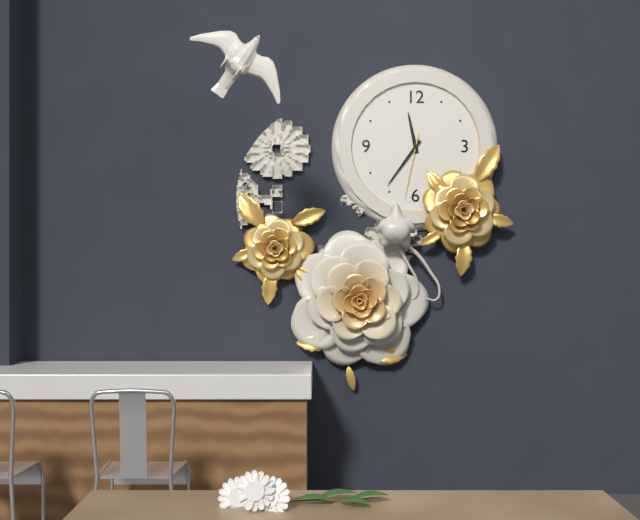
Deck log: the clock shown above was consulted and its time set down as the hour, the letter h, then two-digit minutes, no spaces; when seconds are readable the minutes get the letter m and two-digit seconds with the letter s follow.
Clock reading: 11h36m32s
